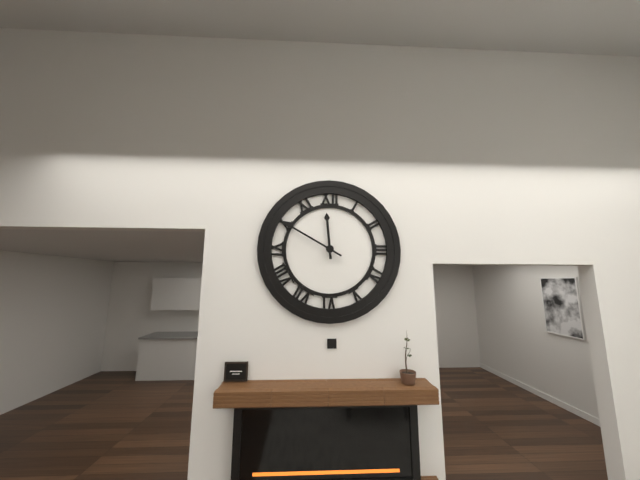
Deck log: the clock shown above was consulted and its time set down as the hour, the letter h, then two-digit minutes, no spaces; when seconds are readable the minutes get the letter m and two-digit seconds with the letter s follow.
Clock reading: 11h50
